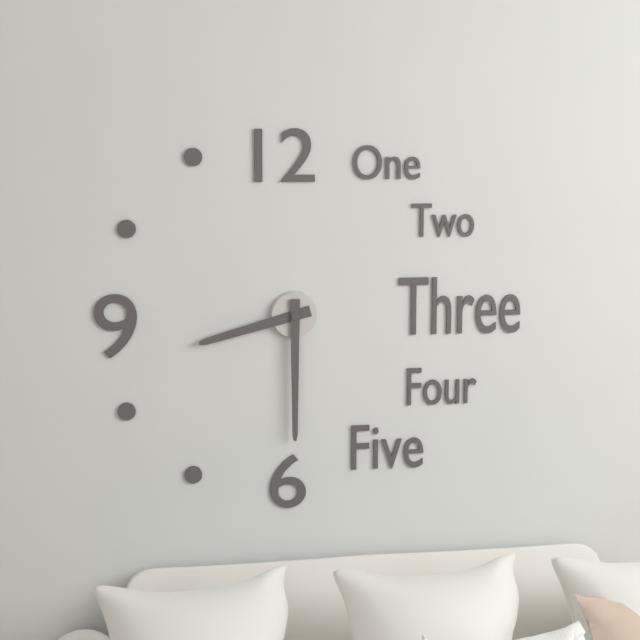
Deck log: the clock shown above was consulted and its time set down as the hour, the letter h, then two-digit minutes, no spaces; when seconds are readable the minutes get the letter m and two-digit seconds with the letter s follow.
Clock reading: 8h30
